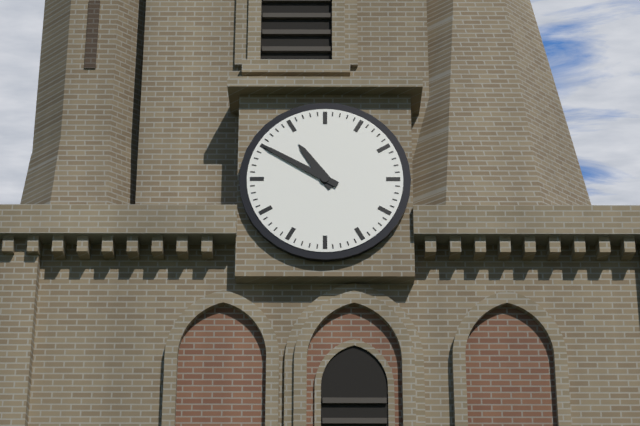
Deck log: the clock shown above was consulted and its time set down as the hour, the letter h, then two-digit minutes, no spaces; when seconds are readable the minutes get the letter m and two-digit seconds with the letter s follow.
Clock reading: 10h50
